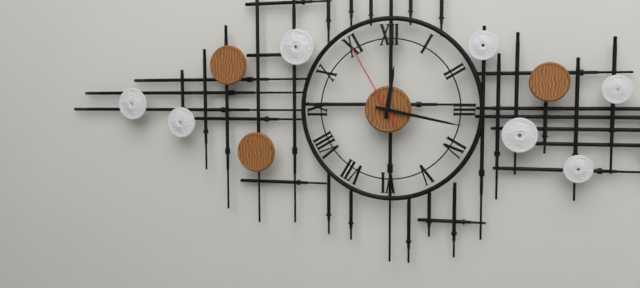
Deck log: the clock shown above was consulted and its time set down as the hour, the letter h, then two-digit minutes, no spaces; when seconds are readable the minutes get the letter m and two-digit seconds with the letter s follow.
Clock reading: 12h17m55s
